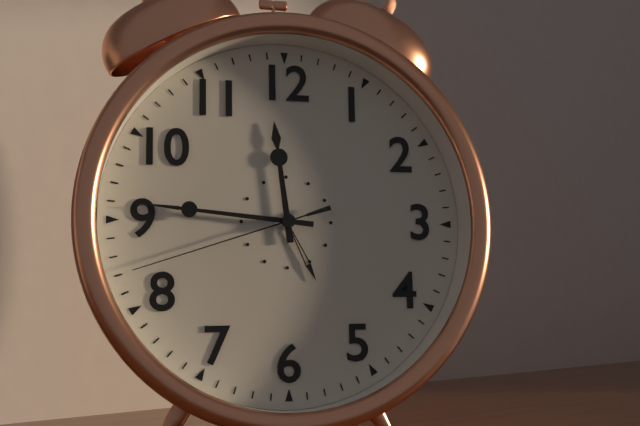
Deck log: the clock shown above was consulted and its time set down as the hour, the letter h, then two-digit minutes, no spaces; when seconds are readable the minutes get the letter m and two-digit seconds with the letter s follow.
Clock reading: 11h46m42s
